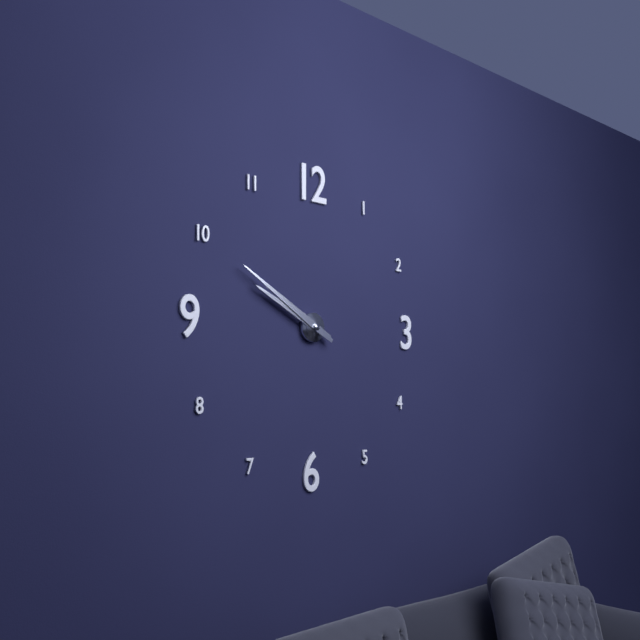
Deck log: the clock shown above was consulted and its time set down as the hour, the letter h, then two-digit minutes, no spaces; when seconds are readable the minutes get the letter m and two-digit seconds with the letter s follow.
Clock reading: 9h50
